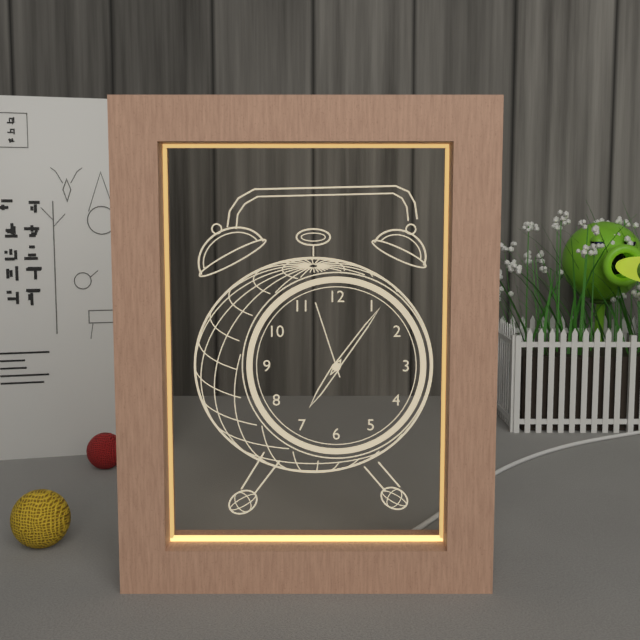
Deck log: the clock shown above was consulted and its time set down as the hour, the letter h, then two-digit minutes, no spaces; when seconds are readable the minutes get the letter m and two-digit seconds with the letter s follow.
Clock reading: 7h06m57s
